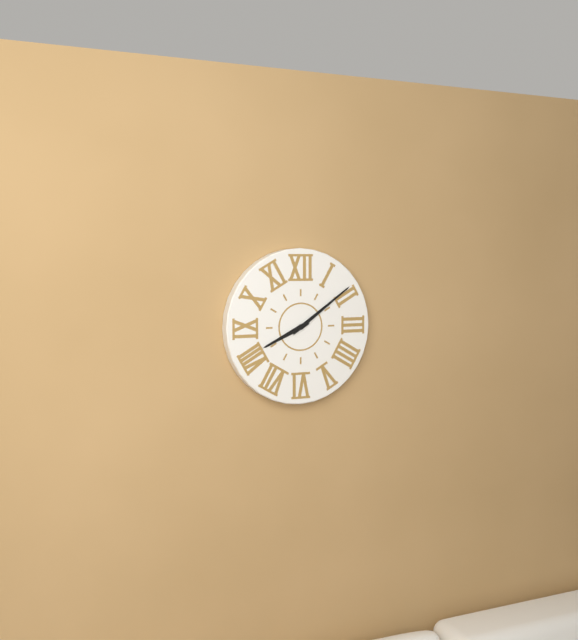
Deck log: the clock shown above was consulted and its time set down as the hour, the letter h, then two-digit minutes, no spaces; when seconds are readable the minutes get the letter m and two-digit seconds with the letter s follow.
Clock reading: 8h09
